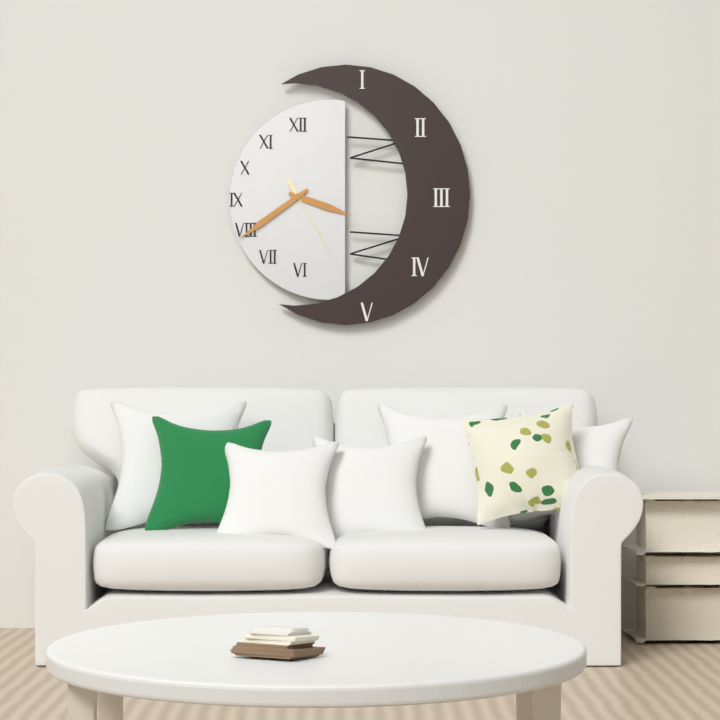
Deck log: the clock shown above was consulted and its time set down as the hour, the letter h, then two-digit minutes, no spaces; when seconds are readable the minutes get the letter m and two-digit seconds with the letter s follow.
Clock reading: 3h39m25s
